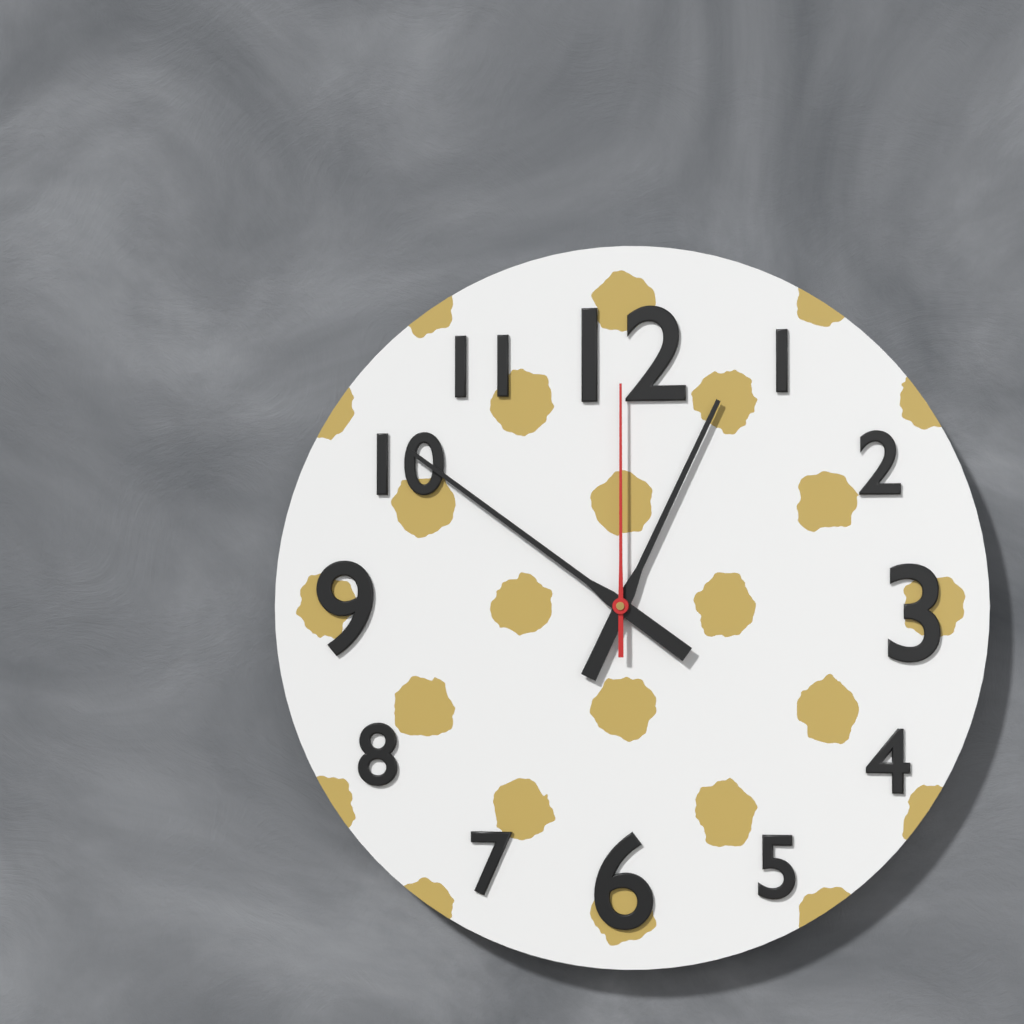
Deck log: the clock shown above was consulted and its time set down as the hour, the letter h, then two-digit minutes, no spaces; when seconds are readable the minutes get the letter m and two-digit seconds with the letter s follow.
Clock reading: 12h51m00s
